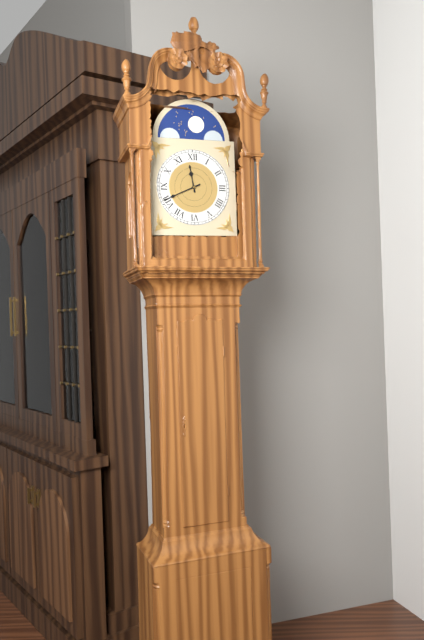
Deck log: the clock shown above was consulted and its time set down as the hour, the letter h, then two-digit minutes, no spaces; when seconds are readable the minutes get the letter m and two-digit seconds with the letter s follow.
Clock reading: 11h41
